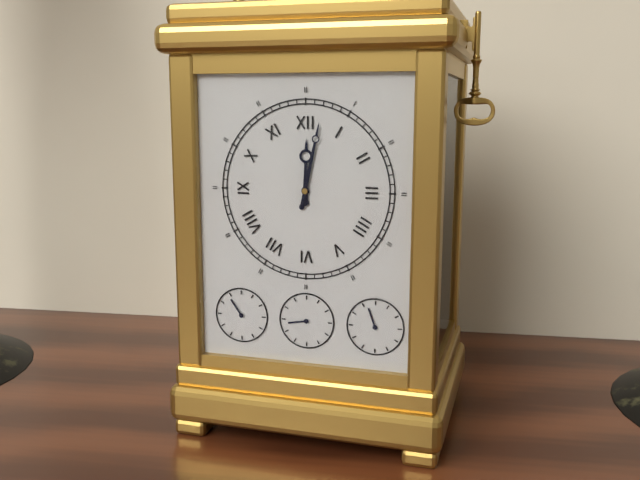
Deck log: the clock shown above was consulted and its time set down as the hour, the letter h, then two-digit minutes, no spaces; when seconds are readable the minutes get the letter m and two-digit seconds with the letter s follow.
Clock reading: 12h02
